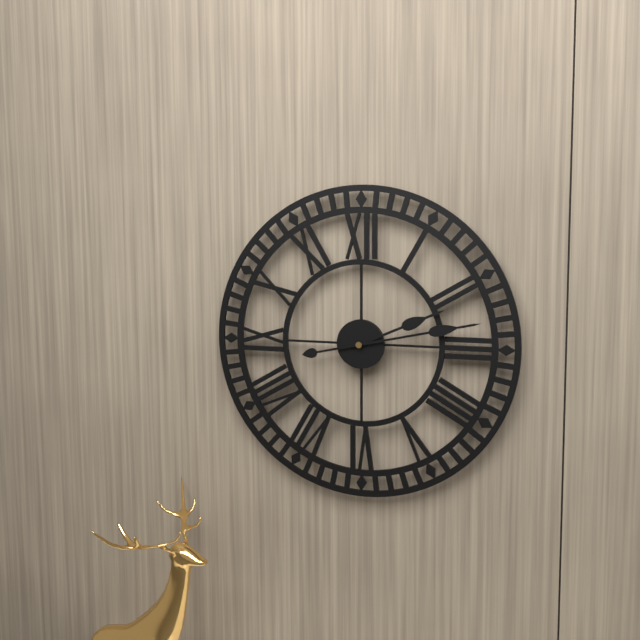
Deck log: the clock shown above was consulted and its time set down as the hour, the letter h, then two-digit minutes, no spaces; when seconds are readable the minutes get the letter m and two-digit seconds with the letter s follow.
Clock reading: 2h13
